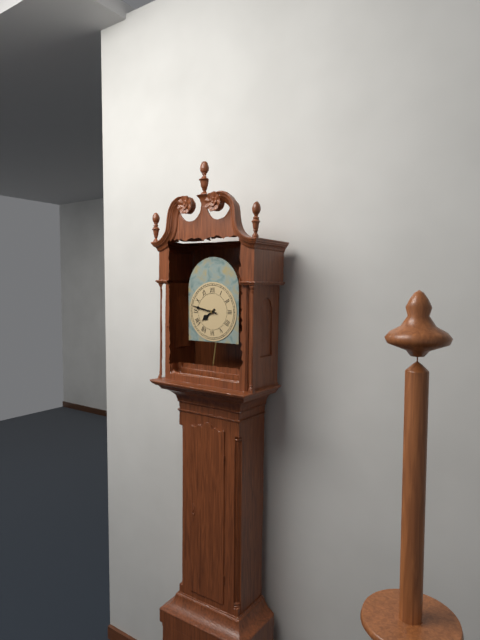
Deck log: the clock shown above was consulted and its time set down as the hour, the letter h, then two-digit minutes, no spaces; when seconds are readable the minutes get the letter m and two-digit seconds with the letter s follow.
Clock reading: 7h47
